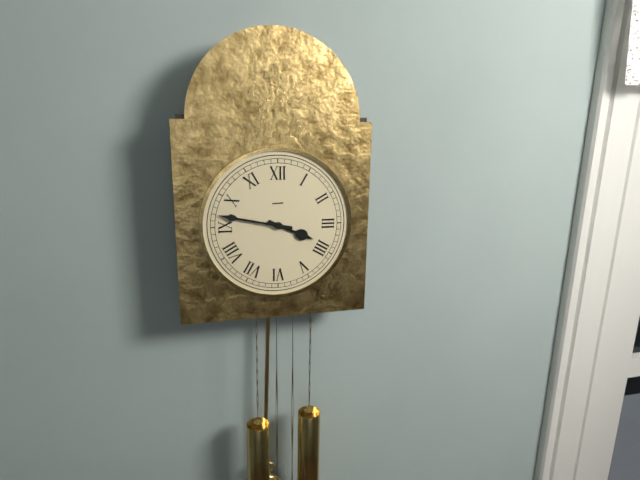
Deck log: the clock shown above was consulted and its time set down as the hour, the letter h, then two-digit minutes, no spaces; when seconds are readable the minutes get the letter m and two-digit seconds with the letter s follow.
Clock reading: 3h47
